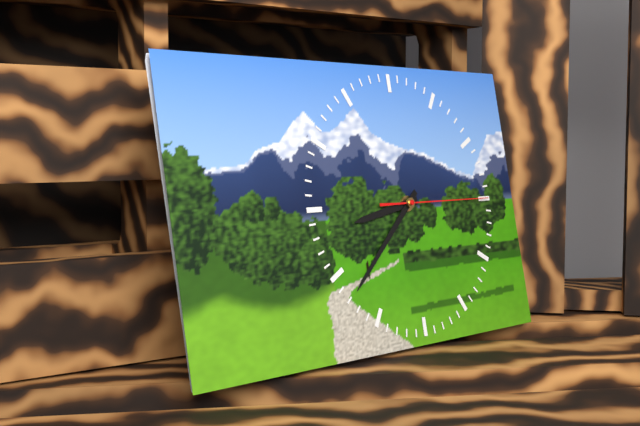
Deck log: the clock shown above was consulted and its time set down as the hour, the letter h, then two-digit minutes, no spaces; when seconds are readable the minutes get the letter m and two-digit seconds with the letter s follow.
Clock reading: 8h38m15s
